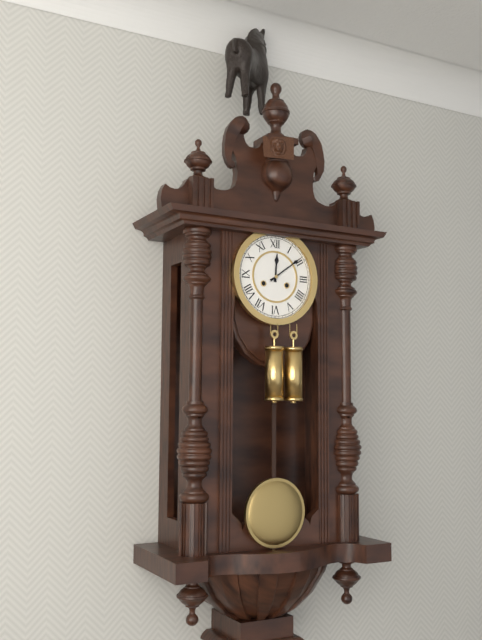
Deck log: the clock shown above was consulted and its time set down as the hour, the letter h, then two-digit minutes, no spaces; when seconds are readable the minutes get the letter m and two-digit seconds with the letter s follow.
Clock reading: 12h09
